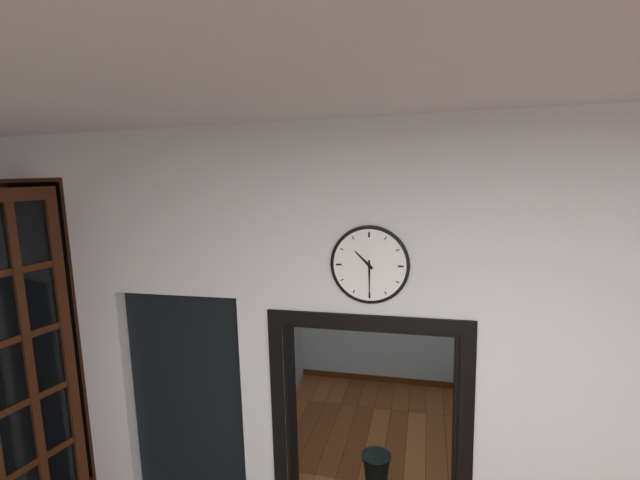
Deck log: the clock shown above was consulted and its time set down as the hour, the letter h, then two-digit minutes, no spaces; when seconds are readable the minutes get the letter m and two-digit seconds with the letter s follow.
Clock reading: 10h30
